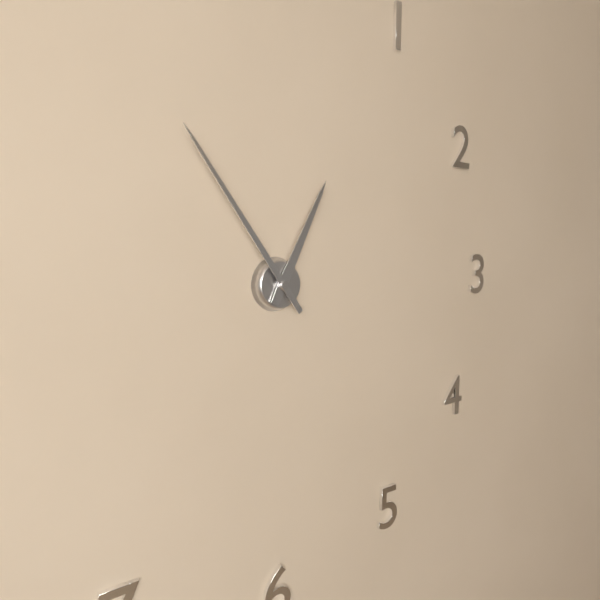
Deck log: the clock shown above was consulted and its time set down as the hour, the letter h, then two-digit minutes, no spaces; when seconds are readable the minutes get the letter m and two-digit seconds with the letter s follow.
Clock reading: 12h54
